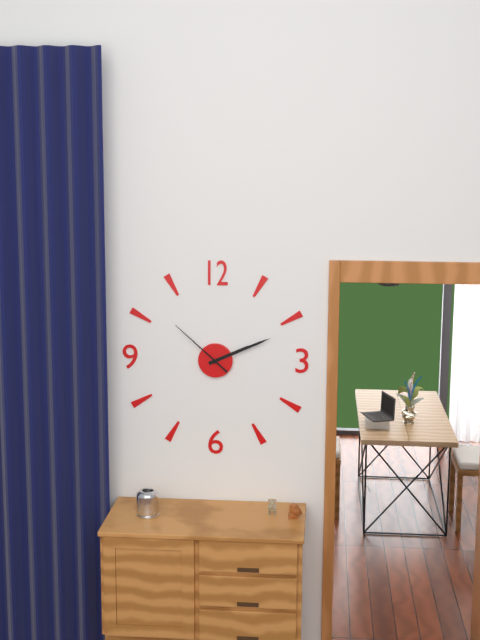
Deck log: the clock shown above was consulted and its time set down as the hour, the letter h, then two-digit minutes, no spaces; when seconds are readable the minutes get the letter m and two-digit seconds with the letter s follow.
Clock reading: 2h11m52s
